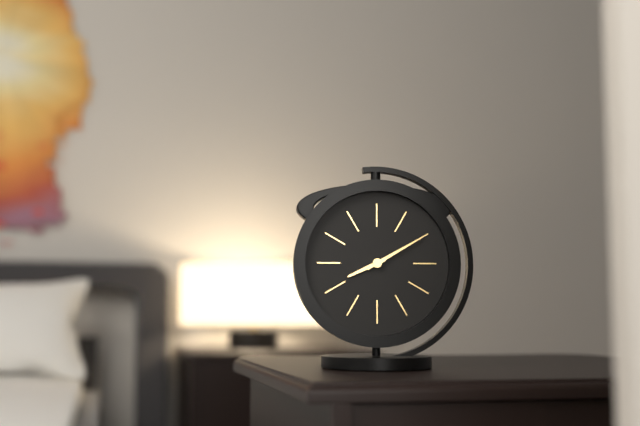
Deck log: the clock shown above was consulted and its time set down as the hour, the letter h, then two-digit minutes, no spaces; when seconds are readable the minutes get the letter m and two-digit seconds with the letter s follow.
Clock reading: 8h10
